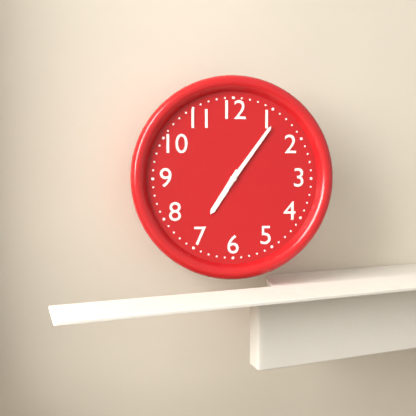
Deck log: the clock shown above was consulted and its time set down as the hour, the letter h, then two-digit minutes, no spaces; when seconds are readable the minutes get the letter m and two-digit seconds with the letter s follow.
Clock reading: 7h06
